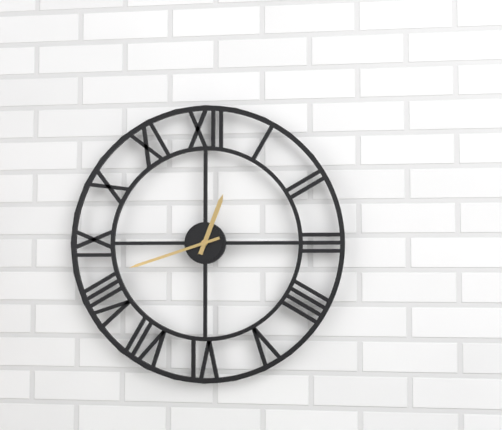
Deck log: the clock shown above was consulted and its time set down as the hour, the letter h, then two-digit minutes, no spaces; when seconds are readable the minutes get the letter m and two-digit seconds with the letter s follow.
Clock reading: 12h42
